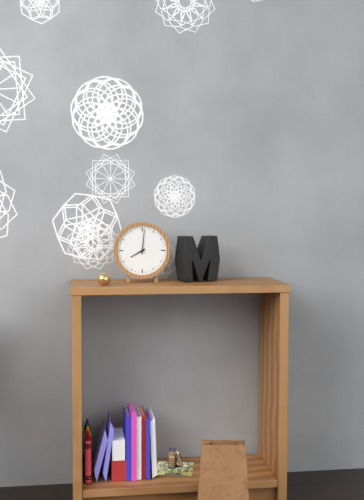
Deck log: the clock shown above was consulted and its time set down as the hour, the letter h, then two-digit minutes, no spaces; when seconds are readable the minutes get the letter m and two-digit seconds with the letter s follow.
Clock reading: 8h01
